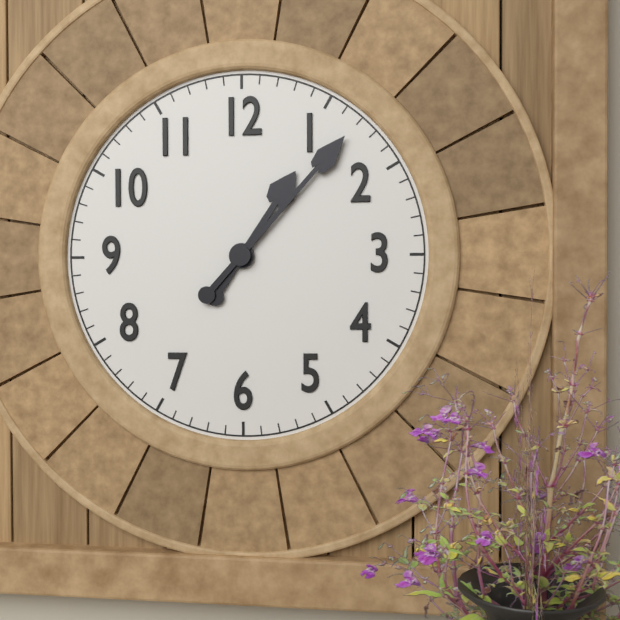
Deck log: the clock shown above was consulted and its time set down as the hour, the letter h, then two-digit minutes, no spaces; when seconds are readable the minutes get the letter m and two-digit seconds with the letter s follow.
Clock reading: 1h07
